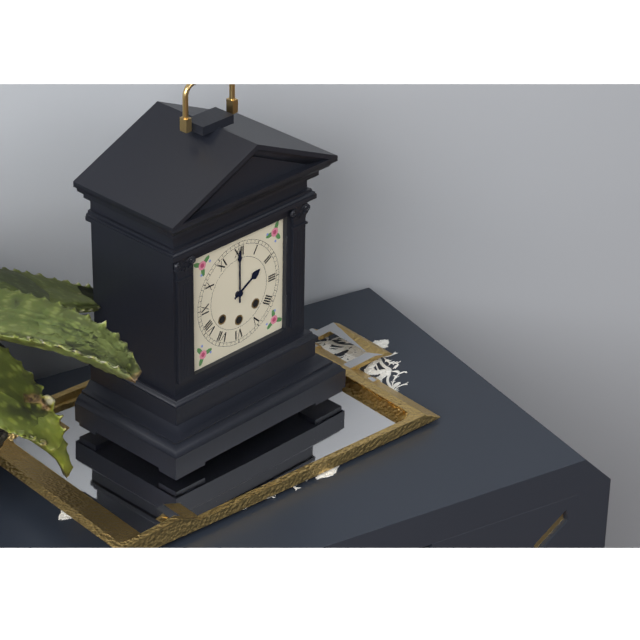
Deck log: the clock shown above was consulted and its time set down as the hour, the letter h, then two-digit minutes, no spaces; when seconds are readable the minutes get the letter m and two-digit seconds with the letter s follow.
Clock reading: 2h00
